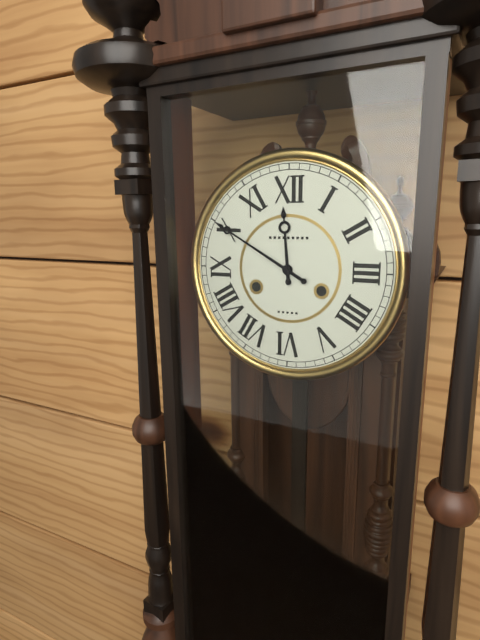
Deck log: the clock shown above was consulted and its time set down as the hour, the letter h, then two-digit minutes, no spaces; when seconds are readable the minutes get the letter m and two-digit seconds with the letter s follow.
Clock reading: 11h50
